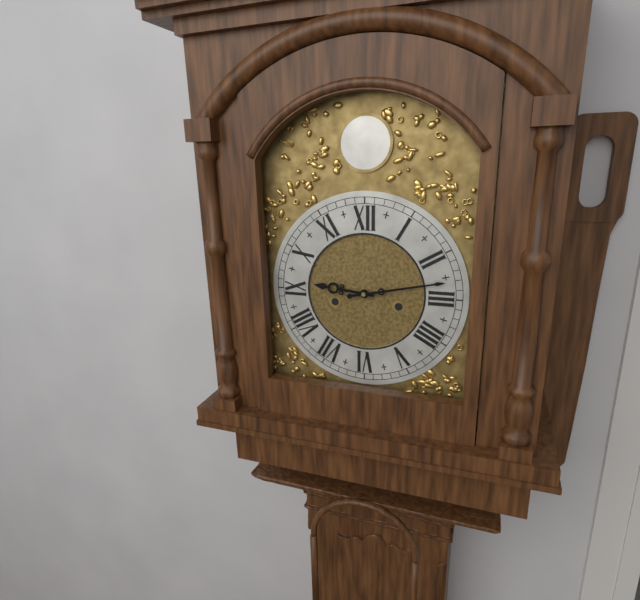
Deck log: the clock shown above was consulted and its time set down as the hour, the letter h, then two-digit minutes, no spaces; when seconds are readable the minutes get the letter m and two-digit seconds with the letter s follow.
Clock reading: 9h13
